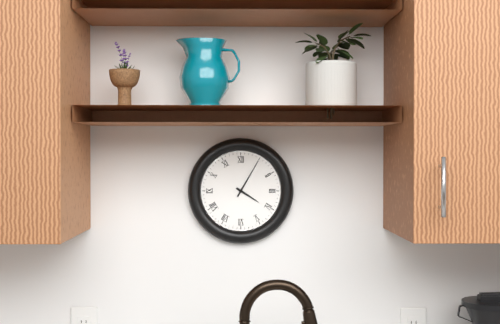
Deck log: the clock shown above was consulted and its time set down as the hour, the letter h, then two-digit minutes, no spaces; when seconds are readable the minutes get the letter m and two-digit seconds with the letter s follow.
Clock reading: 4h05
